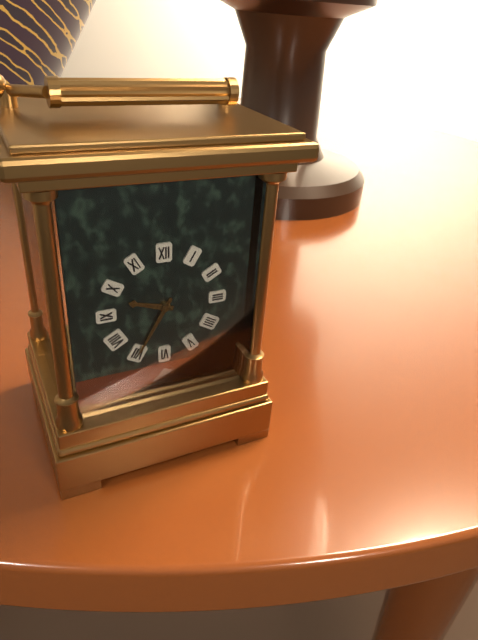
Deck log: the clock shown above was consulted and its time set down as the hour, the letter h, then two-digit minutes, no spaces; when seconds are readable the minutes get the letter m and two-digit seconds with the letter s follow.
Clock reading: 9h35
